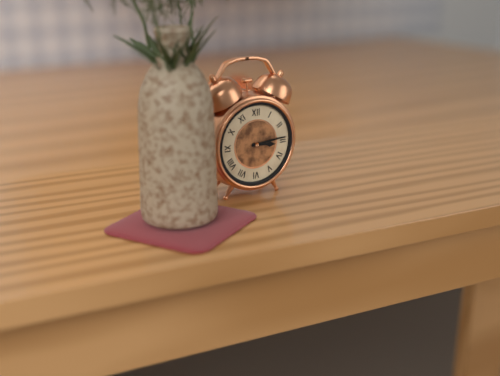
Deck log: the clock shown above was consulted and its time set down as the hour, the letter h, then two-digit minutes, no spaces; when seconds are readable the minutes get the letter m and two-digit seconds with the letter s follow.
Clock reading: 3h14
